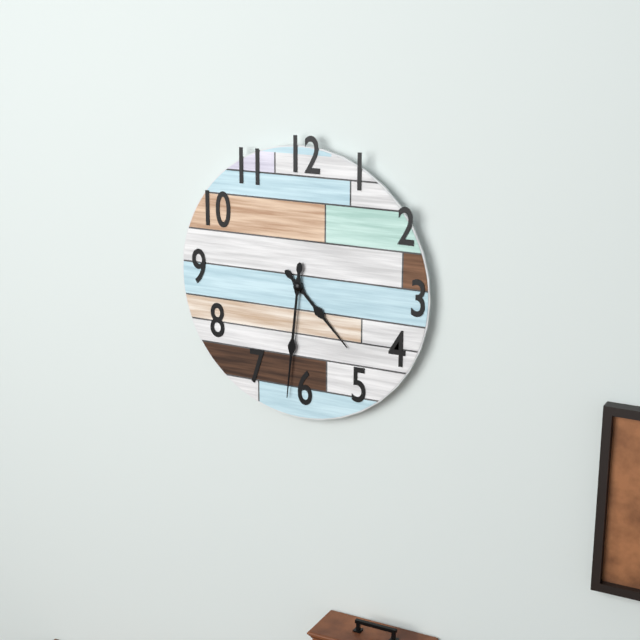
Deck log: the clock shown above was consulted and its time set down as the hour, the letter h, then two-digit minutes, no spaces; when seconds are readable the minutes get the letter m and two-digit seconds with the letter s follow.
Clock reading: 4h31
